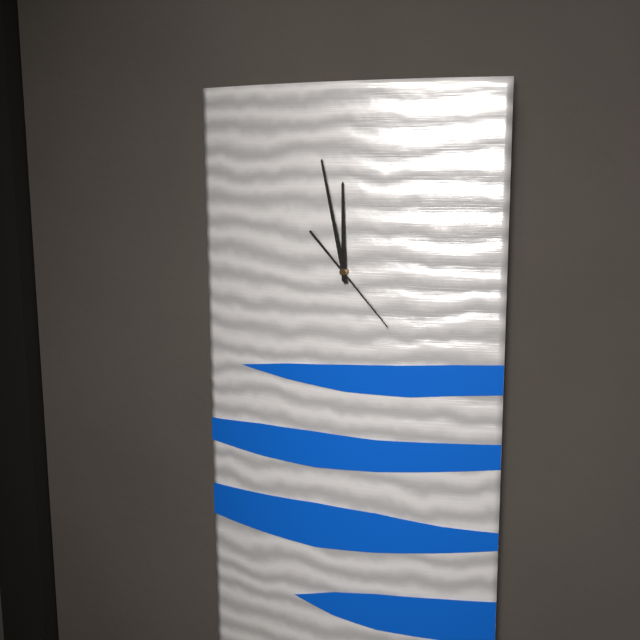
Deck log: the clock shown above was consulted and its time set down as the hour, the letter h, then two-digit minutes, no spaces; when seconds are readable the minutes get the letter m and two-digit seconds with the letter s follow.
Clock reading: 11h58m23s
